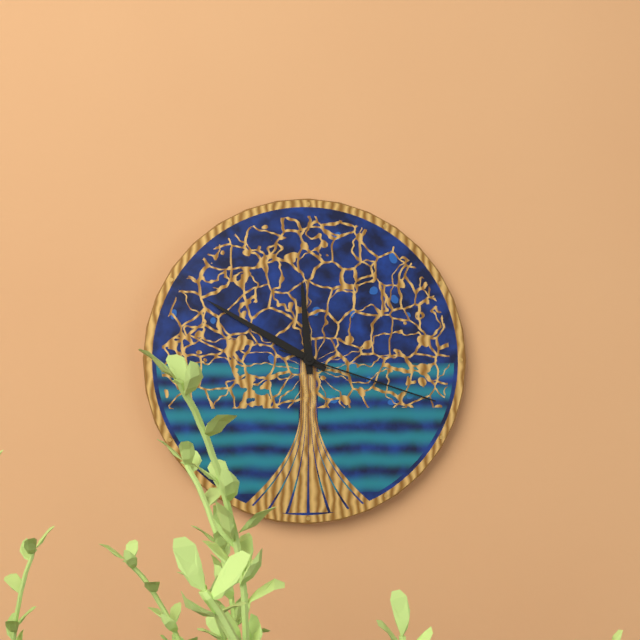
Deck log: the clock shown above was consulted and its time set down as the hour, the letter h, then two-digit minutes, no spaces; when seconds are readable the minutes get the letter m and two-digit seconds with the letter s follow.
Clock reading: 11h50m18s
